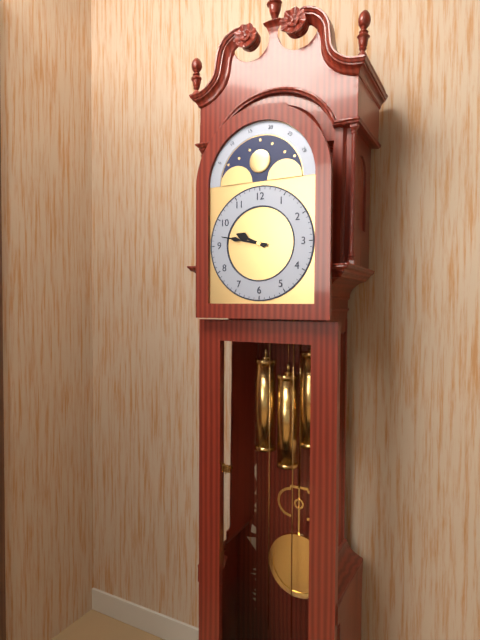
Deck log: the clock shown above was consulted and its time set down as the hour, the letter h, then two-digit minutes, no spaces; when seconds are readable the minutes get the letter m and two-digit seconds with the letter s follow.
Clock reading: 9h47
